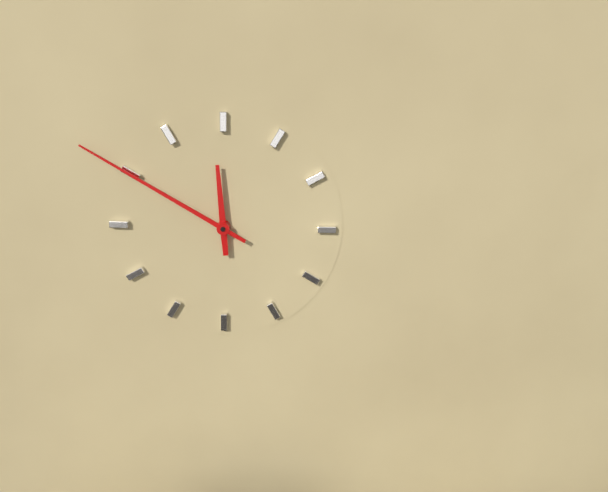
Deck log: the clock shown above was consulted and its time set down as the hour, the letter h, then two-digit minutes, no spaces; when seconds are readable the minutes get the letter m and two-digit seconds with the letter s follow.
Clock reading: 11h50
